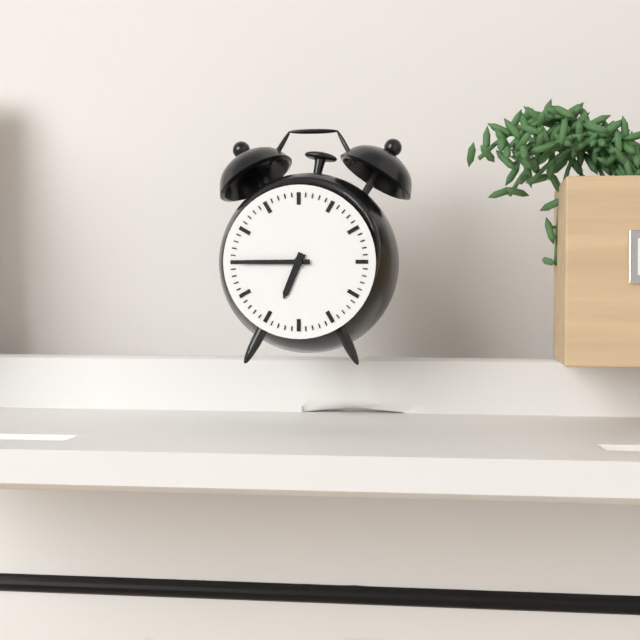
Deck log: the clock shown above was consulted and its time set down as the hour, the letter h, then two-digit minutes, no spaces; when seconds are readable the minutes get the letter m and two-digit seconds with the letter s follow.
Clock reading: 6h45
